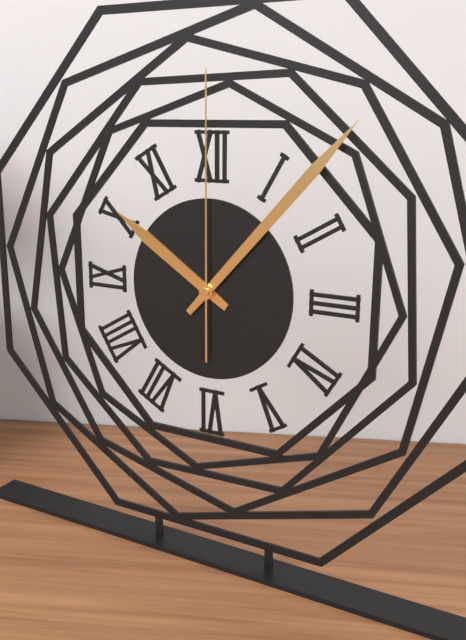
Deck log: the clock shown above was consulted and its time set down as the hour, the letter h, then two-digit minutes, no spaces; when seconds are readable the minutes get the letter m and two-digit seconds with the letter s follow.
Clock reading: 10h07m00s
